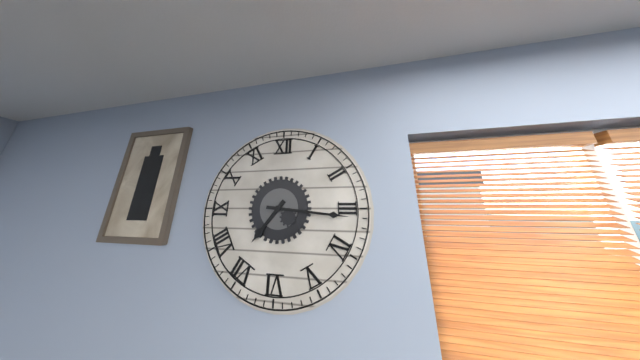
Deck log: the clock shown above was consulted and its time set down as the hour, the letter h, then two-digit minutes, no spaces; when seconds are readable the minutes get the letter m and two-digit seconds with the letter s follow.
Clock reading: 7h16
